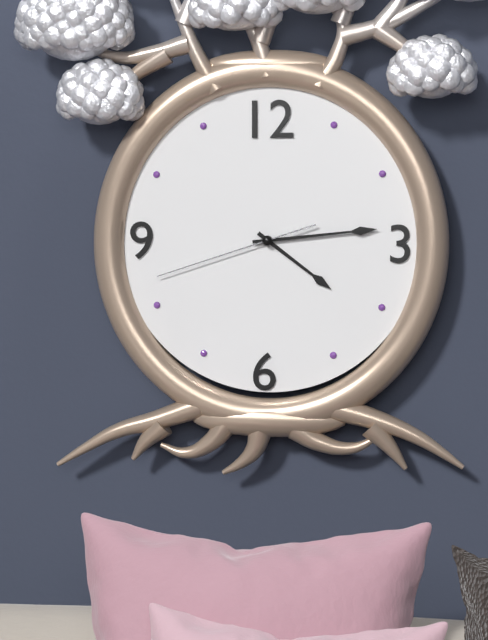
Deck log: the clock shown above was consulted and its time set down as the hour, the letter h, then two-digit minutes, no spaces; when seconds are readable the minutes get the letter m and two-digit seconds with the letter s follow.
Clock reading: 4h14m42s
